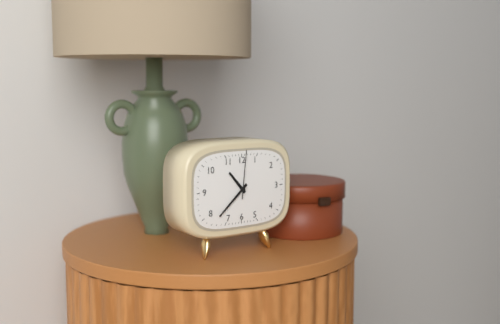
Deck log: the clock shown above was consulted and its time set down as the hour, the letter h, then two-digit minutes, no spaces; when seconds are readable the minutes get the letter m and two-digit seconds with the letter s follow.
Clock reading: 10h38
